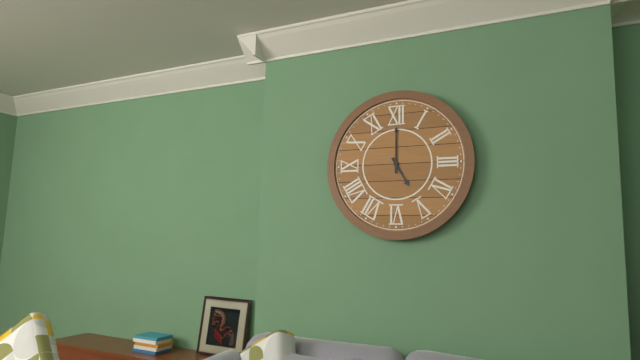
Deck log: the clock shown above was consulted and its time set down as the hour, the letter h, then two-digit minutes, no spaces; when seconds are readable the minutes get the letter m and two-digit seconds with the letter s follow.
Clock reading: 5h00
